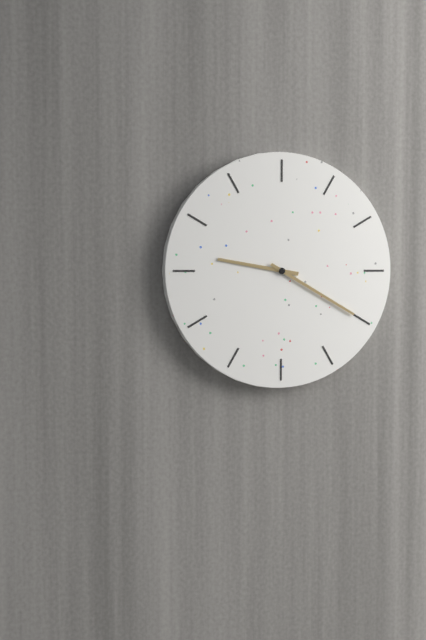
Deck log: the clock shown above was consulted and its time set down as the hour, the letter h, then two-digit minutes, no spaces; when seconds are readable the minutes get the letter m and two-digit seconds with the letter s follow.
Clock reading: 9h20
